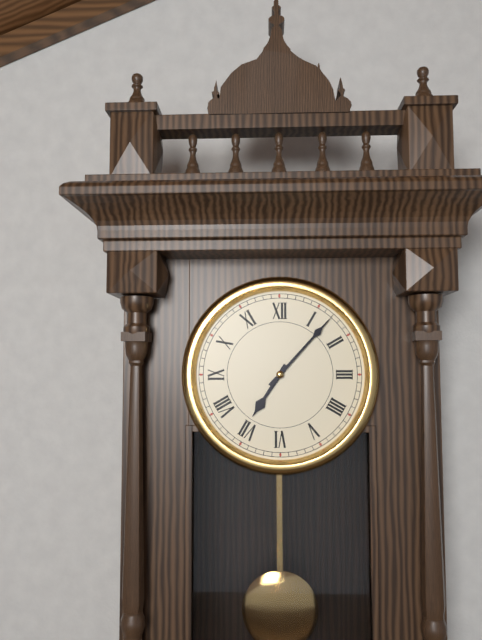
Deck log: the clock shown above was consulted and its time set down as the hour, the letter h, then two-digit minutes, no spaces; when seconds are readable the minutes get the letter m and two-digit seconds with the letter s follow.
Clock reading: 7h07
